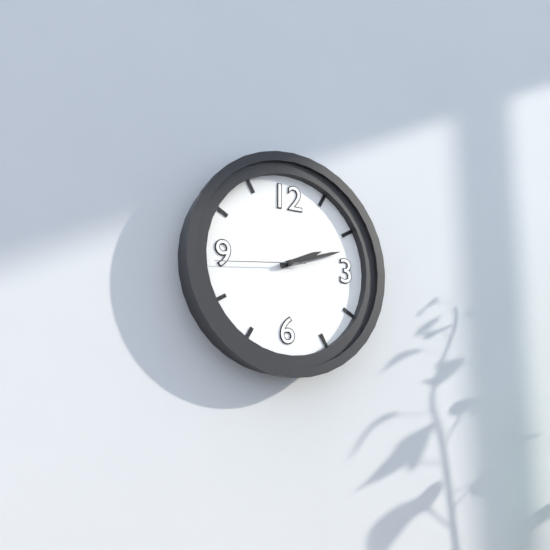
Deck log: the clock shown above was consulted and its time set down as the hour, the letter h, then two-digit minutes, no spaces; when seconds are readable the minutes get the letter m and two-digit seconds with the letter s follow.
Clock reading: 2h12m44s
